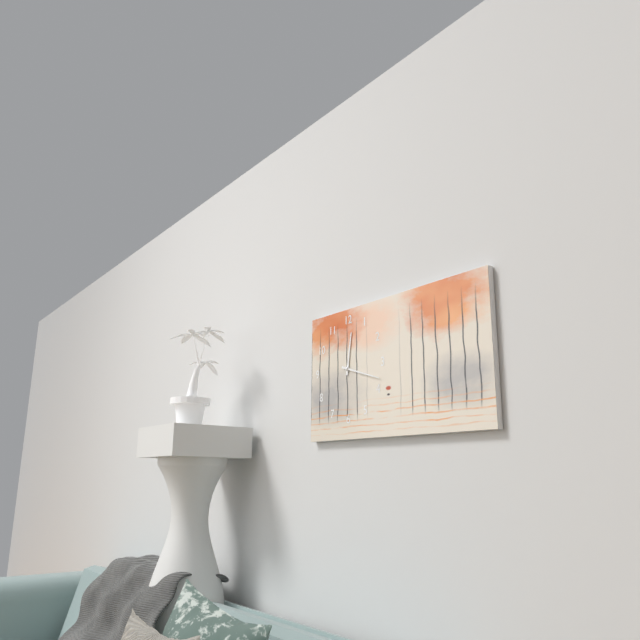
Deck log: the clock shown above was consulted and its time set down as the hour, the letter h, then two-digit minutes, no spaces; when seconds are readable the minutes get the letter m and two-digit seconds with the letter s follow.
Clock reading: 12h18
